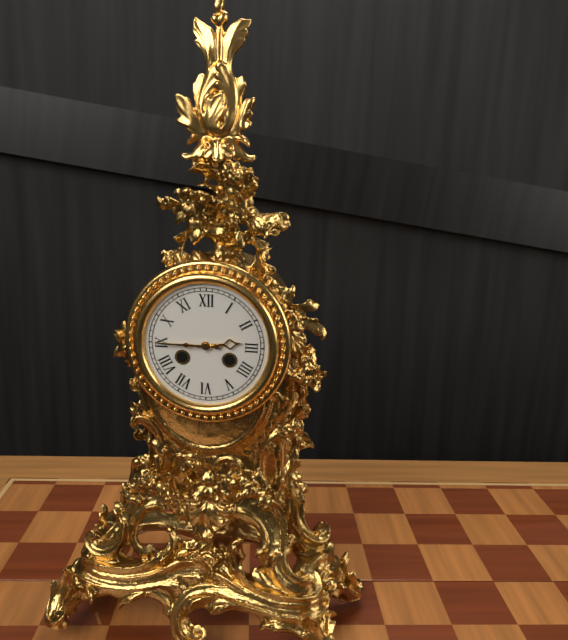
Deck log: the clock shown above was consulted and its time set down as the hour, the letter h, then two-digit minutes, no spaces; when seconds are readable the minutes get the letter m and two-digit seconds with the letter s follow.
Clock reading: 2h45
